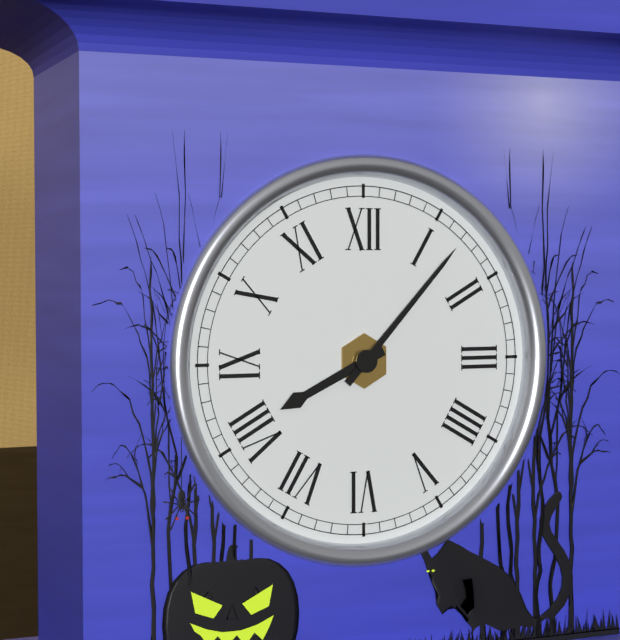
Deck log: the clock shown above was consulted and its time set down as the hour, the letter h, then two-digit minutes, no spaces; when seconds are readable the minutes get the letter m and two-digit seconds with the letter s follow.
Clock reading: 8h07
